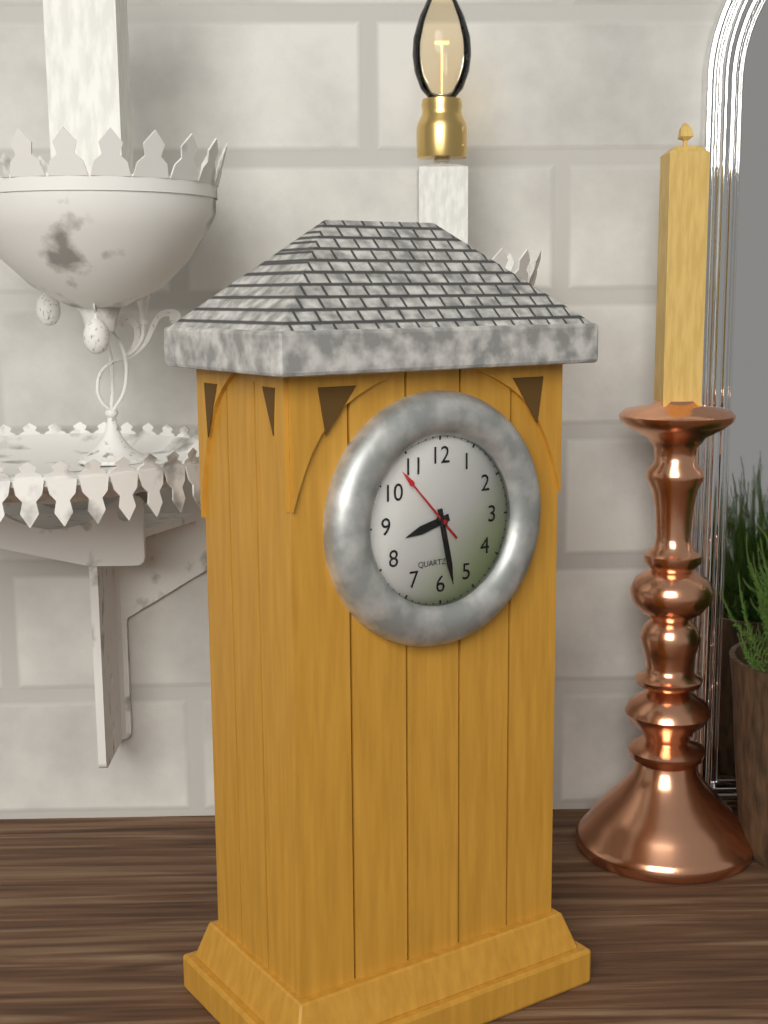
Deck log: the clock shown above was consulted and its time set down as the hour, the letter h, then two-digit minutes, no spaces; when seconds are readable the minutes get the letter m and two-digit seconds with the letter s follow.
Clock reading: 8h28m53s
